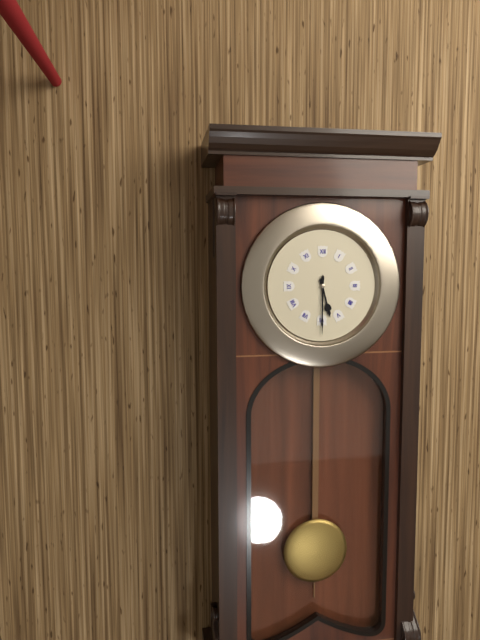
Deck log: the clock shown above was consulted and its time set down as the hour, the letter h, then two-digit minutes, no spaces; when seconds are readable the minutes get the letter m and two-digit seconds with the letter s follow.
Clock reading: 5h30
